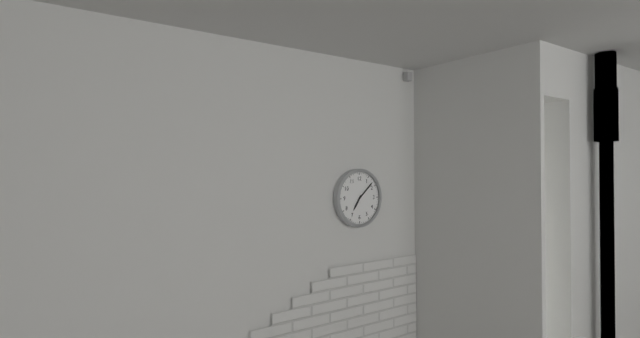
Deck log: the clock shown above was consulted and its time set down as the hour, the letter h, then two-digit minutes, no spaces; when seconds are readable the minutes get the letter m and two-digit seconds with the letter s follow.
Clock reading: 7h08
